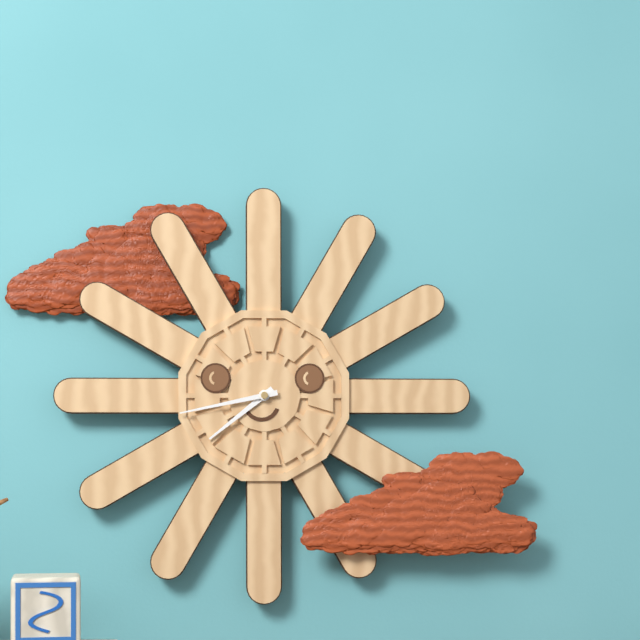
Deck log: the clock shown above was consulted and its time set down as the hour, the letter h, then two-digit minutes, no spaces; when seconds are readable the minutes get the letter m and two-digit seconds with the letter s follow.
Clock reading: 7h43
